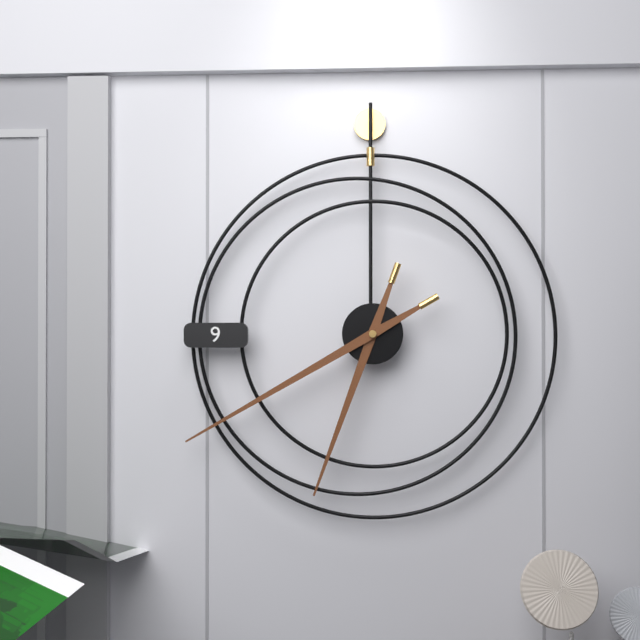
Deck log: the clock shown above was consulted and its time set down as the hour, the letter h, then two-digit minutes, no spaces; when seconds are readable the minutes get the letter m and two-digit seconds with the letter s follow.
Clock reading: 6h40
